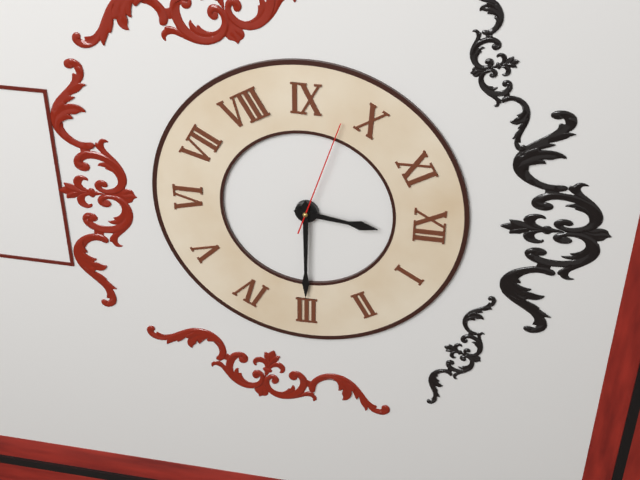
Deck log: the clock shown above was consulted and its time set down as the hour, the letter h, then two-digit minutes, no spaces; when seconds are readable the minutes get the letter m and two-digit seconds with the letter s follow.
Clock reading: 12h15m48s
